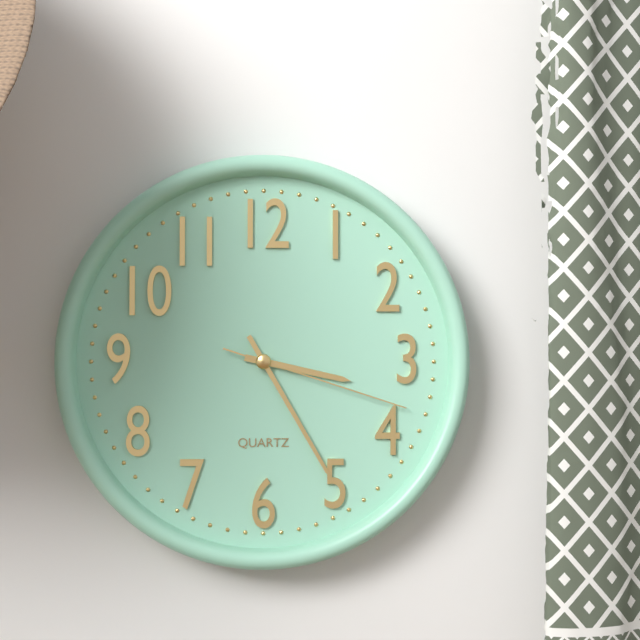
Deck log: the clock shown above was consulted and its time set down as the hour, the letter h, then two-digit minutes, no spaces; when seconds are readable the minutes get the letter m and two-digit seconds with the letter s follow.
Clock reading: 3h25m18s
